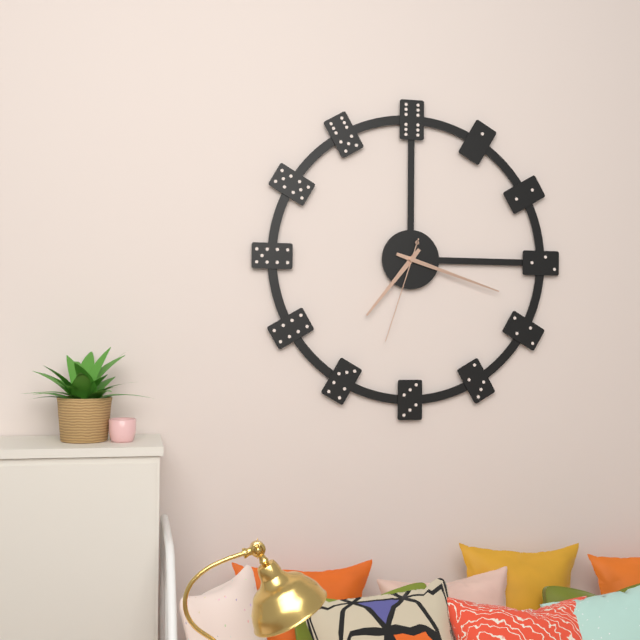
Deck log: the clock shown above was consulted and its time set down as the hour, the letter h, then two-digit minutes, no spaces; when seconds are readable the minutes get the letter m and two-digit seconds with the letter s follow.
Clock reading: 7h18m33s
